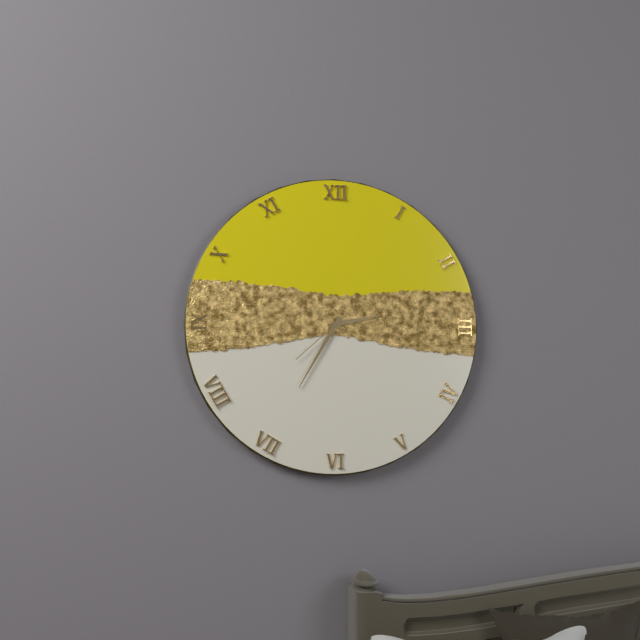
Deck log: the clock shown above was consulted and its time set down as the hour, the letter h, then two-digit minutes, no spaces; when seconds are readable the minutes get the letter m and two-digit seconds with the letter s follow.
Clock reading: 2h35m38s
